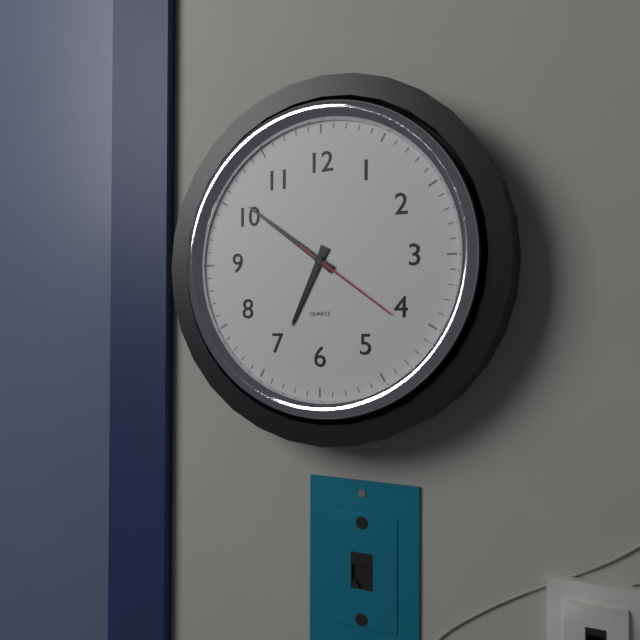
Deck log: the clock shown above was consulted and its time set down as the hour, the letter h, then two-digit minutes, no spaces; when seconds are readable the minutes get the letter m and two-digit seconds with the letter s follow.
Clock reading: 6h51m21s
